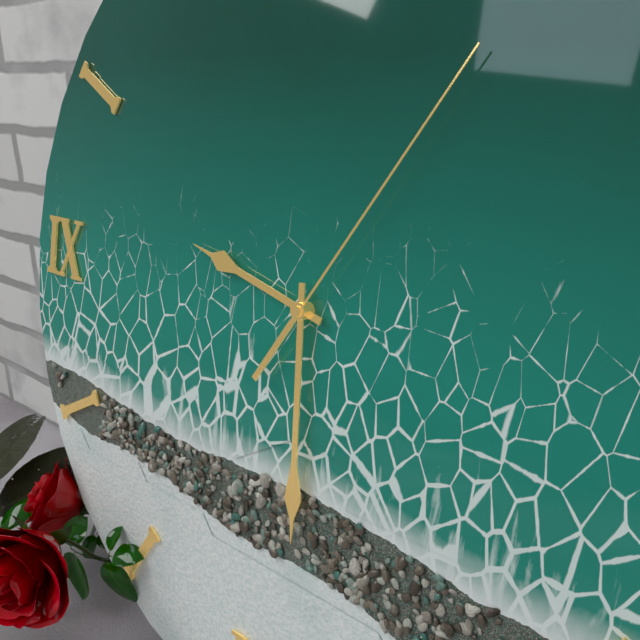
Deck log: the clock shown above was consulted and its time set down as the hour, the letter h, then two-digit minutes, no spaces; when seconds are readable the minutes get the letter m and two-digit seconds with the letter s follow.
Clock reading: 9h29m05s
